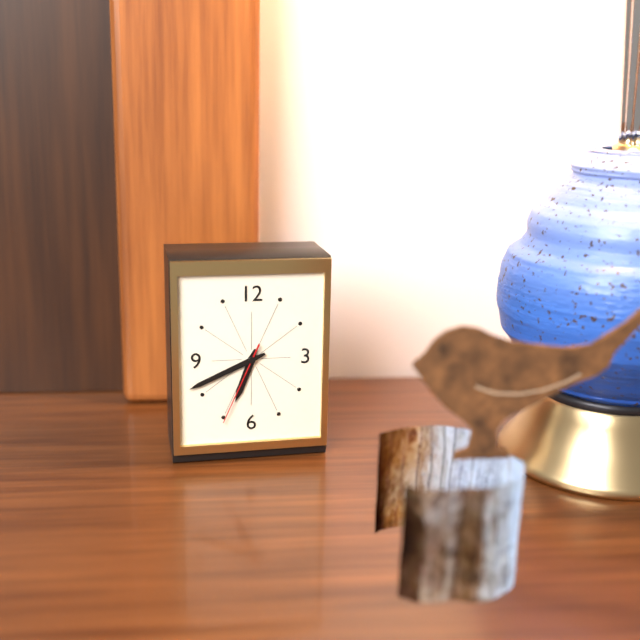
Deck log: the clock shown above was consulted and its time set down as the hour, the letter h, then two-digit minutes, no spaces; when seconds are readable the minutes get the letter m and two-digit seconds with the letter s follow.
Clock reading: 6h41m34s
